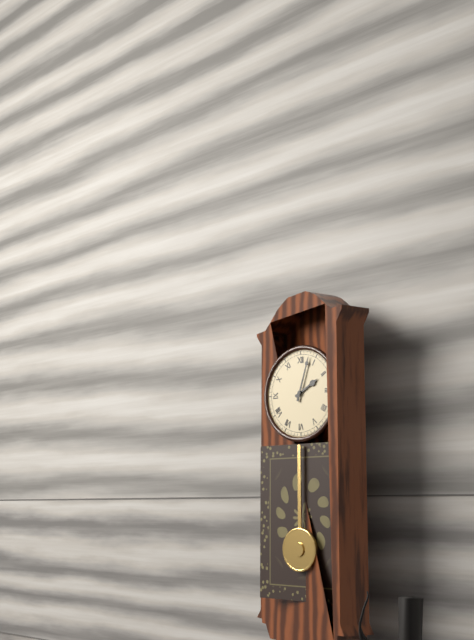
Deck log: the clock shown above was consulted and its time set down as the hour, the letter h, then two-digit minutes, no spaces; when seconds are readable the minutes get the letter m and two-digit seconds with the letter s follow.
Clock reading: 2h03
